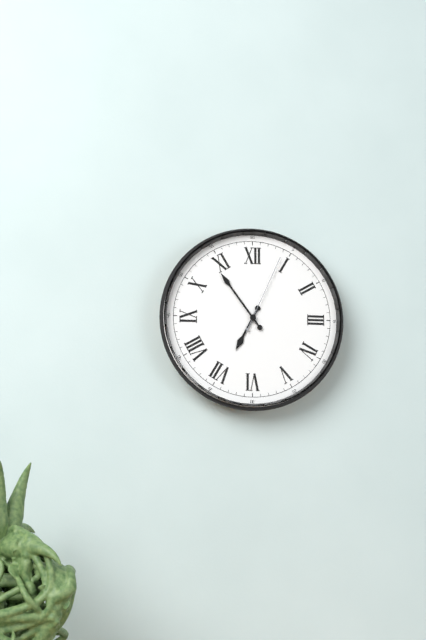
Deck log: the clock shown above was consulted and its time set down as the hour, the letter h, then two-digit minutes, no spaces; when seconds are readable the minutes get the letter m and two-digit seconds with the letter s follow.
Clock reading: 6h54m04s
